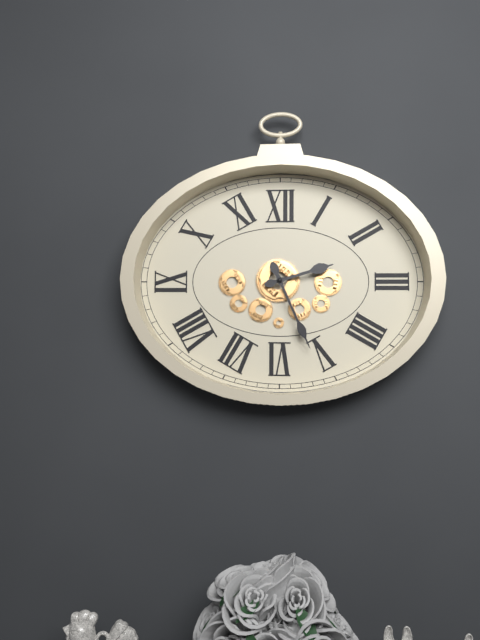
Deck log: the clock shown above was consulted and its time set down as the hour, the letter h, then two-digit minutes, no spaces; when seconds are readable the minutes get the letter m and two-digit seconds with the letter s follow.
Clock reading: 2h26
